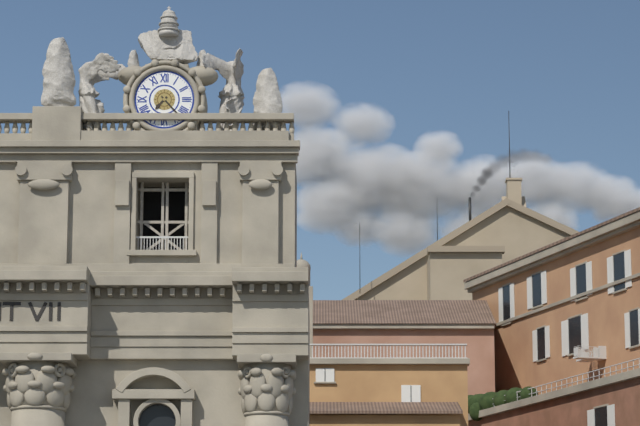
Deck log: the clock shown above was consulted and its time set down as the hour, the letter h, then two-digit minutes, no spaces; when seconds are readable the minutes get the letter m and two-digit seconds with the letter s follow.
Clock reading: 7h23
